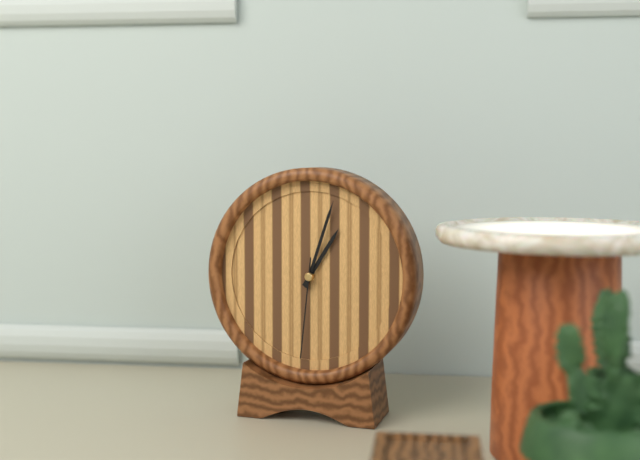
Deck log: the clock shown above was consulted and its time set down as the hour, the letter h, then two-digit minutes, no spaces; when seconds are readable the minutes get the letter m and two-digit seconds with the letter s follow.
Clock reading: 1h03m31s
